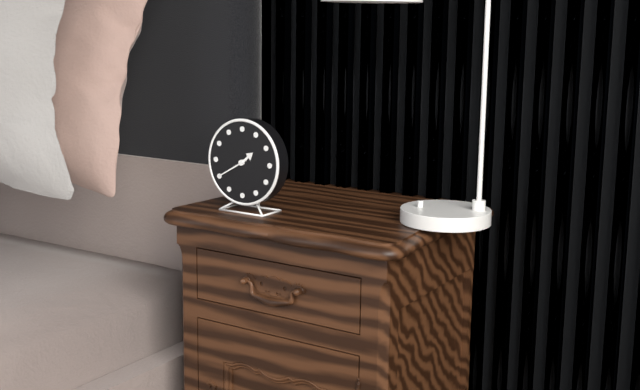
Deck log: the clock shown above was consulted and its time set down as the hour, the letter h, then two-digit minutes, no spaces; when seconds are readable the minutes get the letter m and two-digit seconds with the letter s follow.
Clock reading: 1h40
